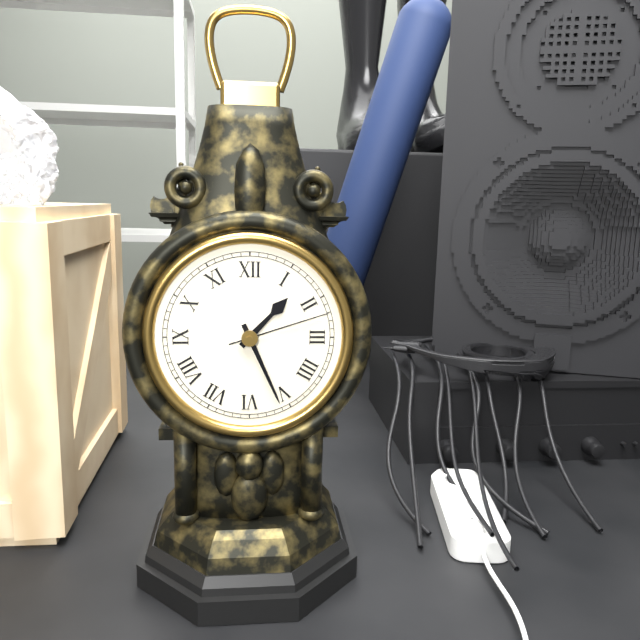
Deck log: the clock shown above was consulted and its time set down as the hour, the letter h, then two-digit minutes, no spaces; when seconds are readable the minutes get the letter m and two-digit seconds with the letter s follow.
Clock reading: 1h26m12s
